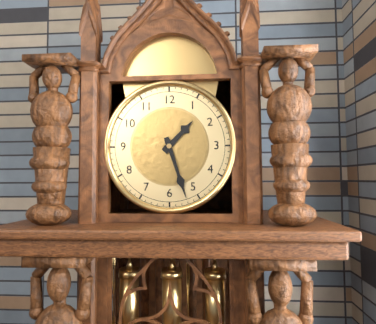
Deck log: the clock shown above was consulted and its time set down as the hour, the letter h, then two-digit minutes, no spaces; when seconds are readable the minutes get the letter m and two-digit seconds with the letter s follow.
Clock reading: 1h27
